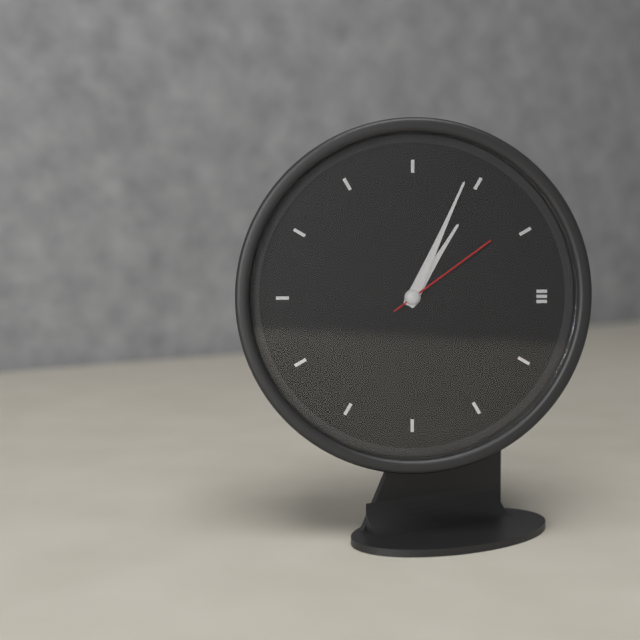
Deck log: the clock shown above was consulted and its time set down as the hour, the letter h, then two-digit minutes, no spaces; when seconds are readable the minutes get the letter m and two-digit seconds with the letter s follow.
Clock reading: 1h04m09s
